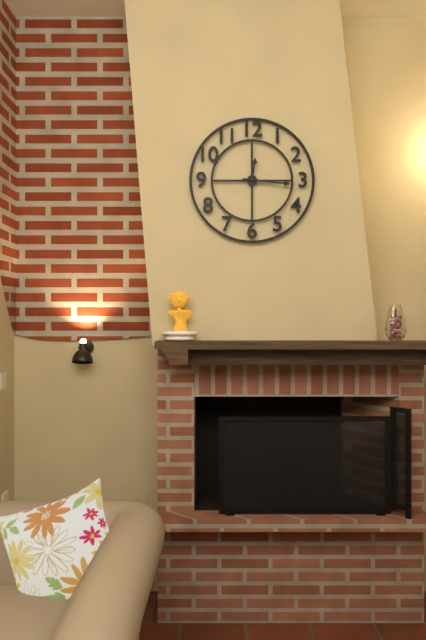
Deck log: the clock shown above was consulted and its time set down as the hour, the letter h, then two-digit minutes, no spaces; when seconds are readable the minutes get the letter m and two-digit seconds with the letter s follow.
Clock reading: 12h16
